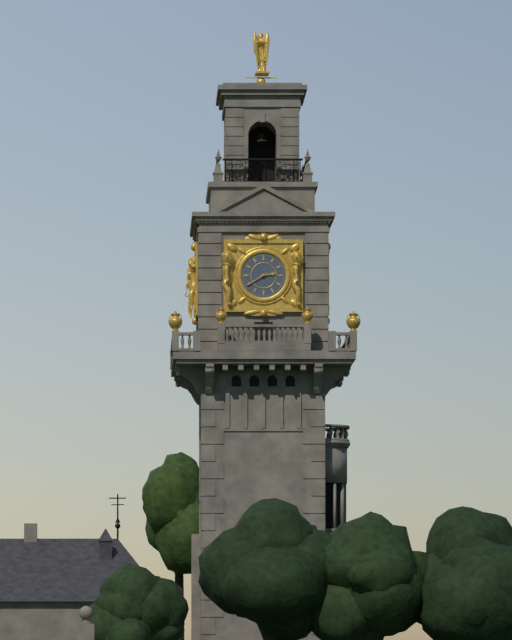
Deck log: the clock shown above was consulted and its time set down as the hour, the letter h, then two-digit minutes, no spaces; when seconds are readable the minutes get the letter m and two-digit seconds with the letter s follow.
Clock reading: 2h40
